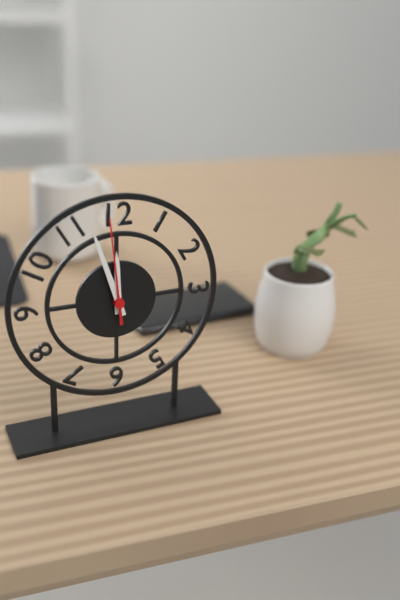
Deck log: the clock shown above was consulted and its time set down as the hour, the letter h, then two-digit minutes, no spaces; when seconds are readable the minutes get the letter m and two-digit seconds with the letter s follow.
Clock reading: 11h57m59s
